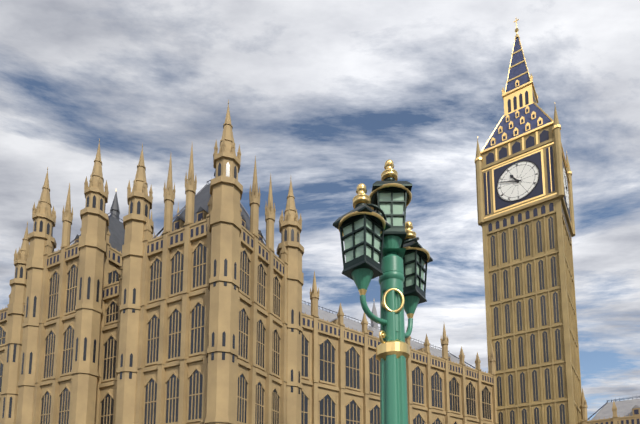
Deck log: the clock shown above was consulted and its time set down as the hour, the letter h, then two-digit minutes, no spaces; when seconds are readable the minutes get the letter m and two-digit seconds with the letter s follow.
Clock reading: 10h48
